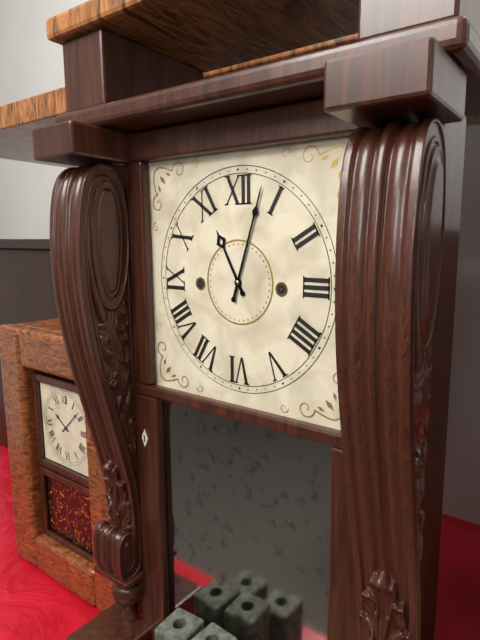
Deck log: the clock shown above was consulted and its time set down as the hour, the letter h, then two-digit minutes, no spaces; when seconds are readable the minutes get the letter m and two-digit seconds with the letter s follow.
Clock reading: 11h03
